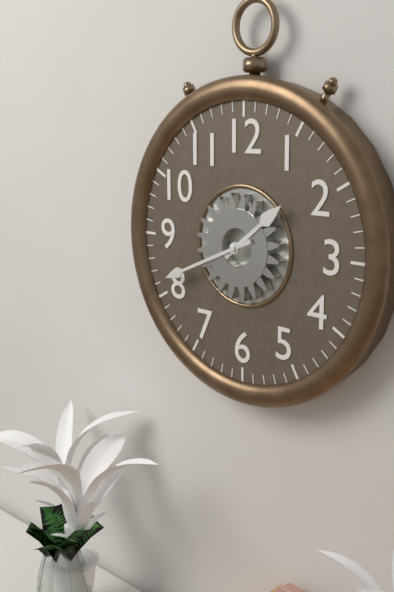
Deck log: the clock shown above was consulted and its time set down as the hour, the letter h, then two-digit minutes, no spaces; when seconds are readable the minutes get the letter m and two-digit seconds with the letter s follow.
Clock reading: 1h41
